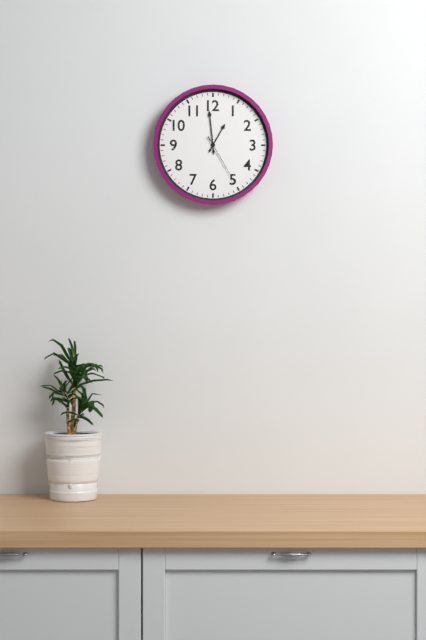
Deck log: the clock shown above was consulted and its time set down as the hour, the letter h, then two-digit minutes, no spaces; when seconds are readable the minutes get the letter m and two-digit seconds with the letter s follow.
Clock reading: 12h59m25s
